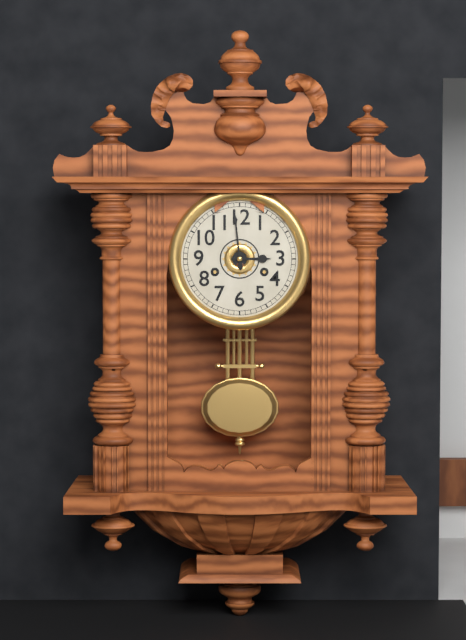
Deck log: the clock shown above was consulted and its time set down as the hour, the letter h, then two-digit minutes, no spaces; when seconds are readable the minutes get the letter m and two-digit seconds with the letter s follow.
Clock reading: 2h59
